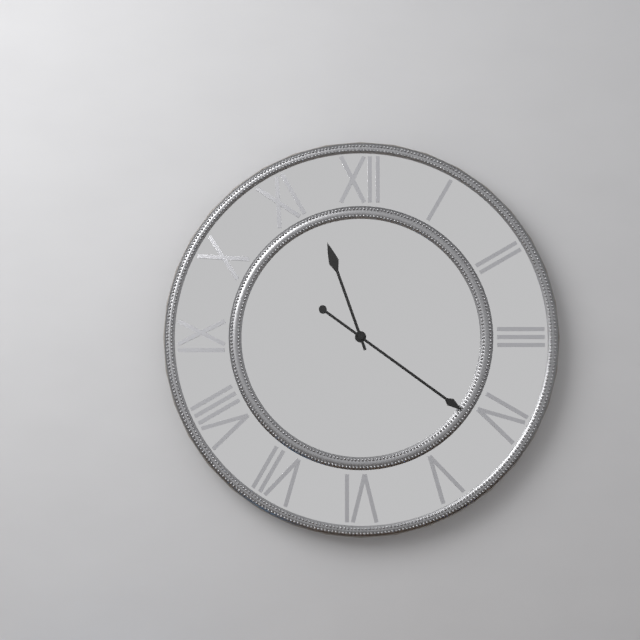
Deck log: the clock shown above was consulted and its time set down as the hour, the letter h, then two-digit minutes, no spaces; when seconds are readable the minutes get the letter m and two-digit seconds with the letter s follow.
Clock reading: 11h21
